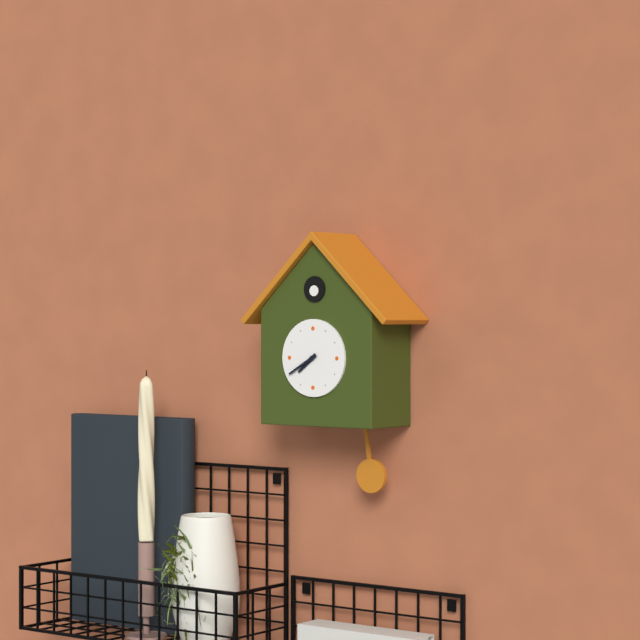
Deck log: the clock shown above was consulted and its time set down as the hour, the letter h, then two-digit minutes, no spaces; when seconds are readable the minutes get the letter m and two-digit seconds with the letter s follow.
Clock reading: 7h40
